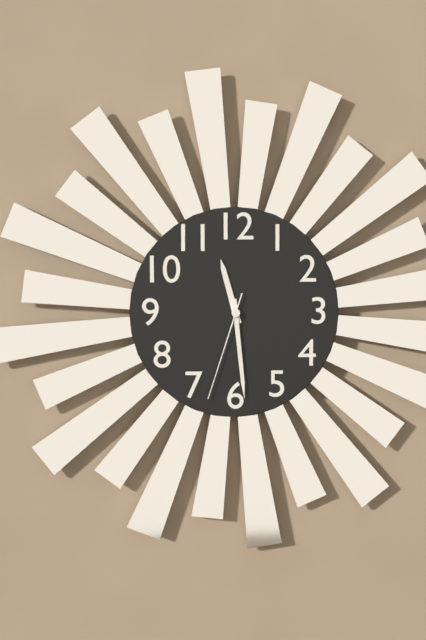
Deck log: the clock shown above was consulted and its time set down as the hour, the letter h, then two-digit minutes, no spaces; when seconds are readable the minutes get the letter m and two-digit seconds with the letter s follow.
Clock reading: 11h29m33s
